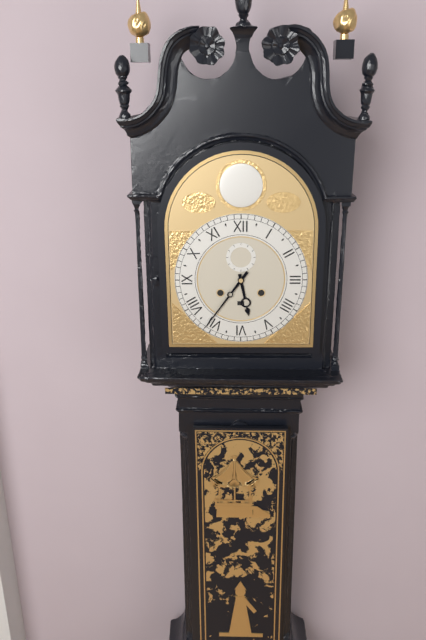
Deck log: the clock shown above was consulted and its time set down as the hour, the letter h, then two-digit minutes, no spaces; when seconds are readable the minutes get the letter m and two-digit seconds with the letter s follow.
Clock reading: 5h36
